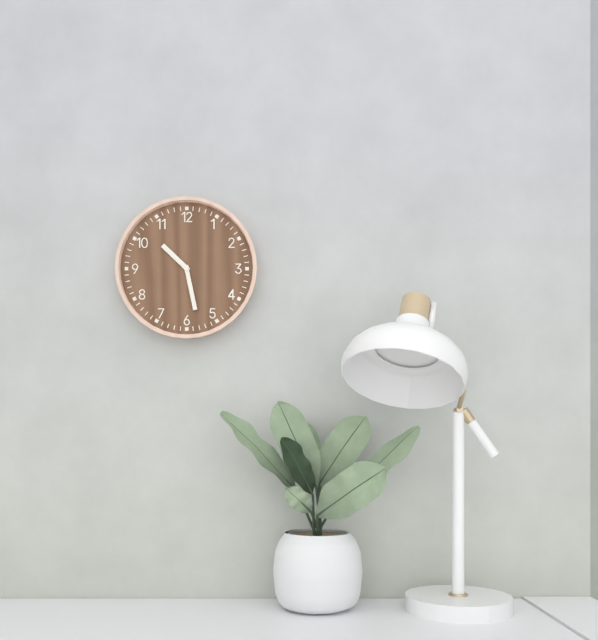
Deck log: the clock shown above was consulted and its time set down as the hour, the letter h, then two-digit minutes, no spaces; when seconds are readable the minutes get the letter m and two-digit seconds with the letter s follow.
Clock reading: 10h28
